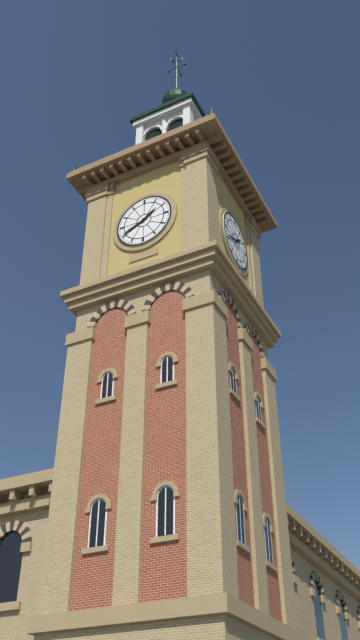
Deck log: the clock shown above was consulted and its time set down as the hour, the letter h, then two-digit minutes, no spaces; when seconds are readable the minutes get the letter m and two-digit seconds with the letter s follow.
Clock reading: 1h41
